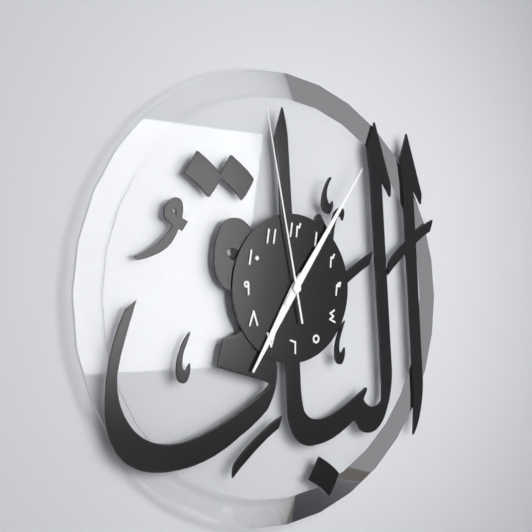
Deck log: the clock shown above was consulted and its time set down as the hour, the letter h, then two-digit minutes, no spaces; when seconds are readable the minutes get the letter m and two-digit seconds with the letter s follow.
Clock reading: 7h06m58s
